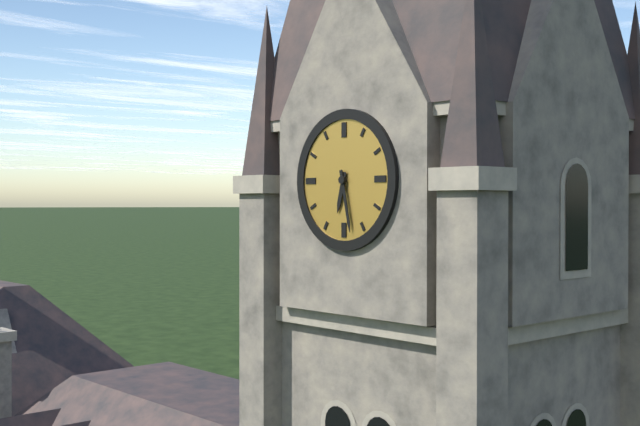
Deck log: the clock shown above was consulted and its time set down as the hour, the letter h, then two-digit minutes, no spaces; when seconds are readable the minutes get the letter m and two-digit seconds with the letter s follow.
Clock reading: 6h28
